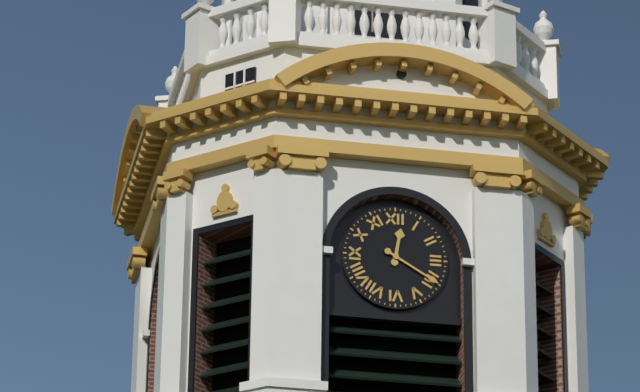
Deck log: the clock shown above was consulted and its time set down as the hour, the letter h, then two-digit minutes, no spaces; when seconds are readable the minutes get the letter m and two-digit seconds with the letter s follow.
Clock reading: 12h20
